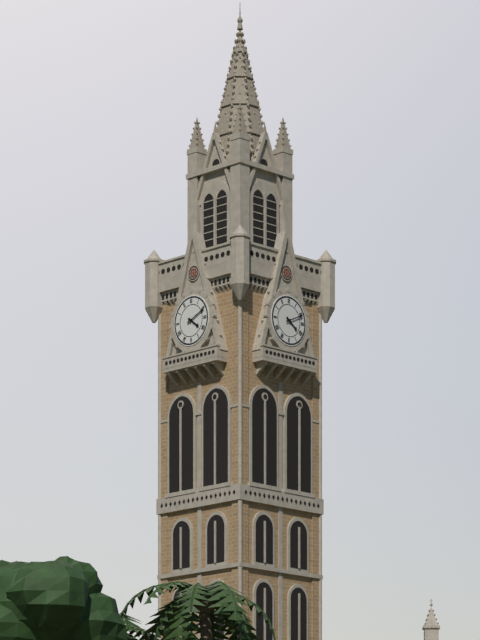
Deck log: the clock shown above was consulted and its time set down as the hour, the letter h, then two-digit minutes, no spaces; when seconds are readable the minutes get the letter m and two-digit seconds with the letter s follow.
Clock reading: 4h11
